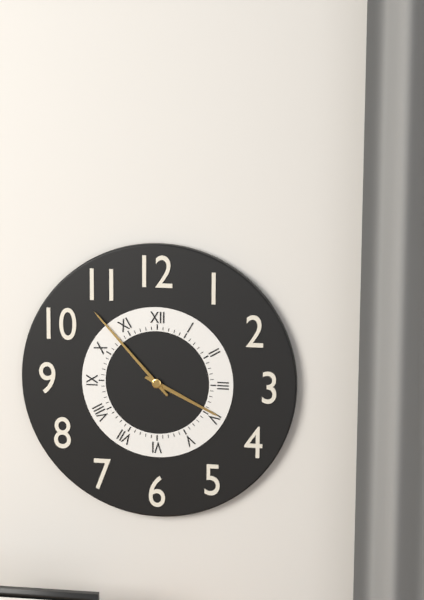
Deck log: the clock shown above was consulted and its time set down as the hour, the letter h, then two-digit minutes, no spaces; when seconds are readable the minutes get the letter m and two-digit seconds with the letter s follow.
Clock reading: 3h53
